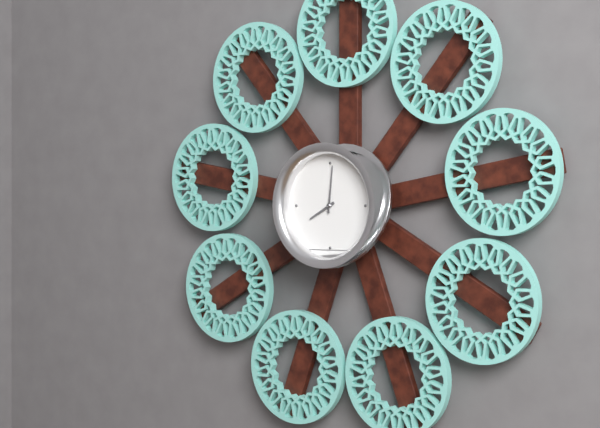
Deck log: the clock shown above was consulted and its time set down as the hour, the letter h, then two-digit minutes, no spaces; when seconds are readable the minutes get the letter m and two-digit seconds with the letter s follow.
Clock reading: 8h01
